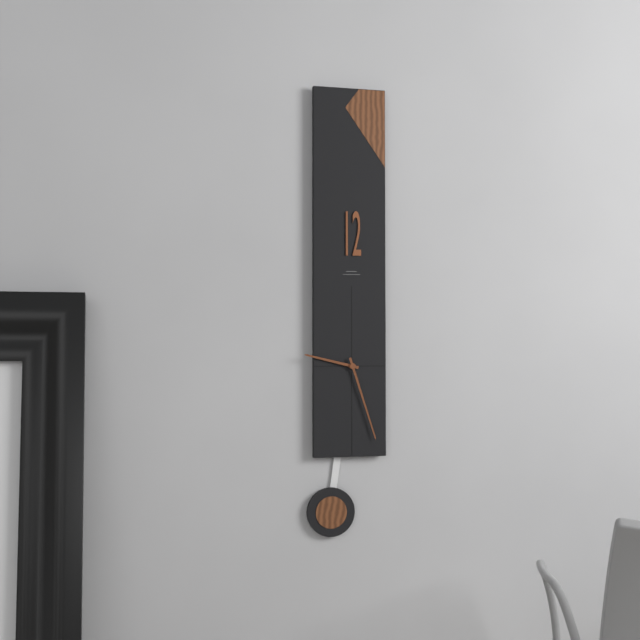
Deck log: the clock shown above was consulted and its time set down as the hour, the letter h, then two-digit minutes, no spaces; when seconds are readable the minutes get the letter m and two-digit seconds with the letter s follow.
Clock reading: 9h27
